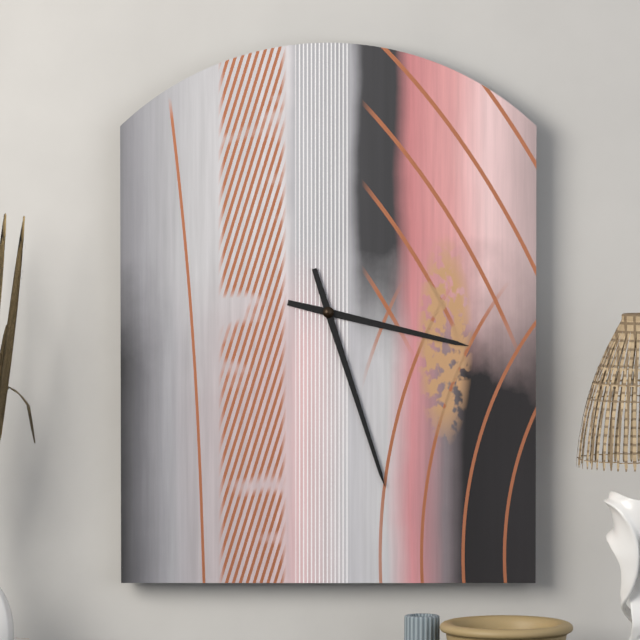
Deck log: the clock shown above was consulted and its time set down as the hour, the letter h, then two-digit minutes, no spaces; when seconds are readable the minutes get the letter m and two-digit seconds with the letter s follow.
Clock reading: 3h27
